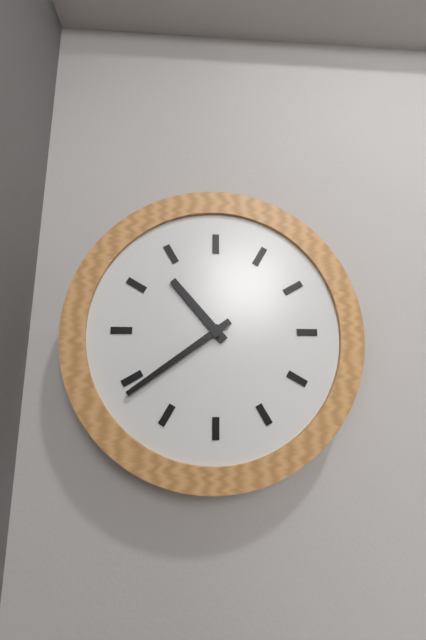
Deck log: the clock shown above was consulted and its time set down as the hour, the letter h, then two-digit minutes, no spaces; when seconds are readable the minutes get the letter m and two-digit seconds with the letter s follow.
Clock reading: 10h39
